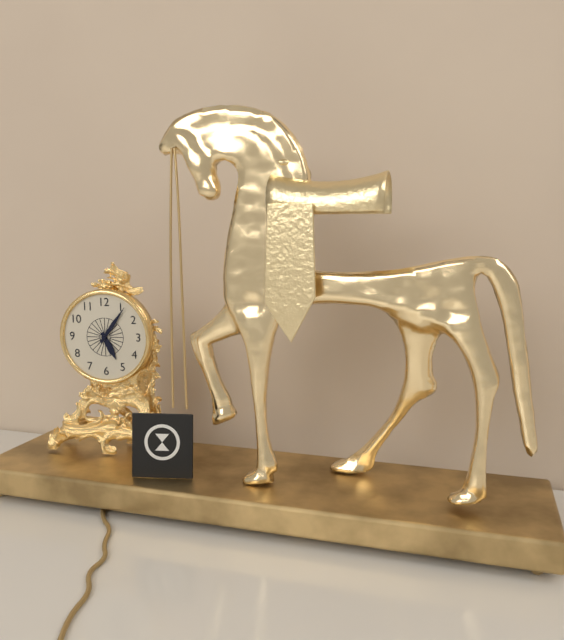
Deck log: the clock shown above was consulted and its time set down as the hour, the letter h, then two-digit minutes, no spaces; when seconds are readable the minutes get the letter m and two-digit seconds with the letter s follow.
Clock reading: 5h06
